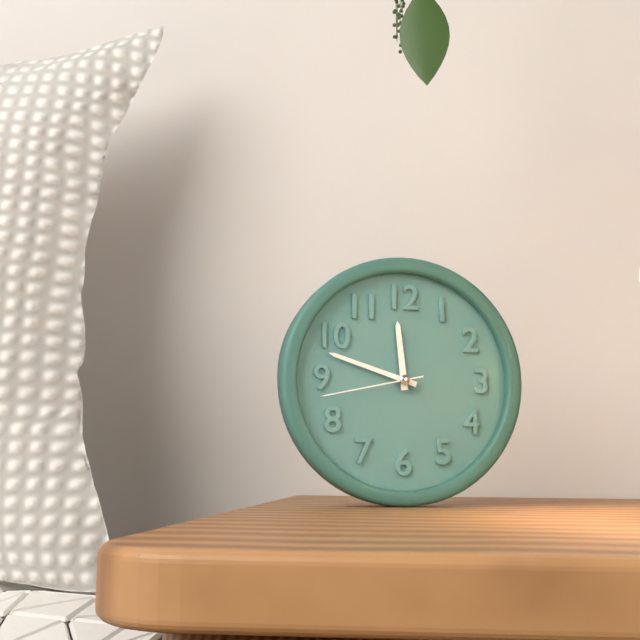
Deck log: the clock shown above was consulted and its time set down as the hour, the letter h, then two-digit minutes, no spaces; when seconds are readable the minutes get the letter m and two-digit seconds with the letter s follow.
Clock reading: 11h48m43s
